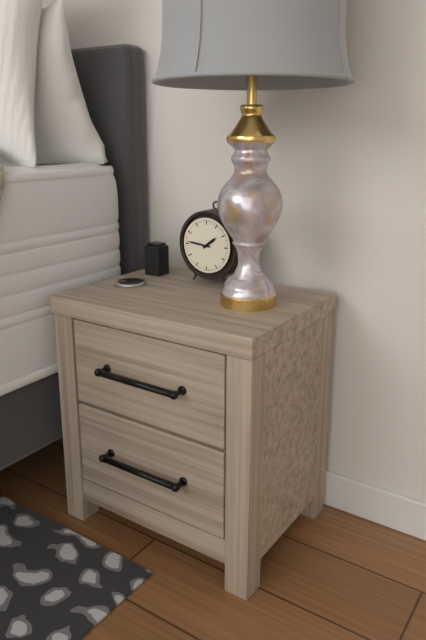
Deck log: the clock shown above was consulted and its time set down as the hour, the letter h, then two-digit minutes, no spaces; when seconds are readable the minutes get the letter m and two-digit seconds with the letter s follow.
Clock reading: 1h46
